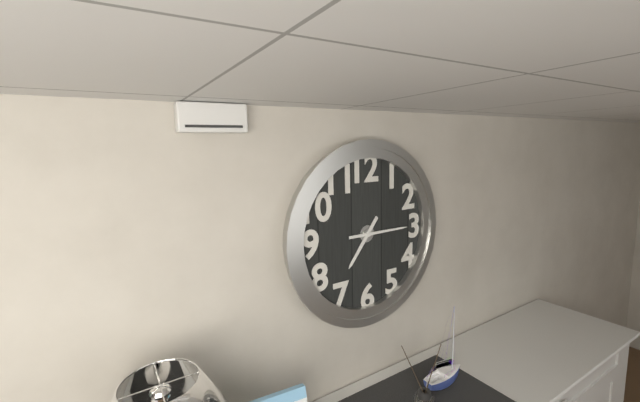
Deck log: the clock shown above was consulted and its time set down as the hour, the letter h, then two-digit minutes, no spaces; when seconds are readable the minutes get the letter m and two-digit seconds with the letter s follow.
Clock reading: 7h15
